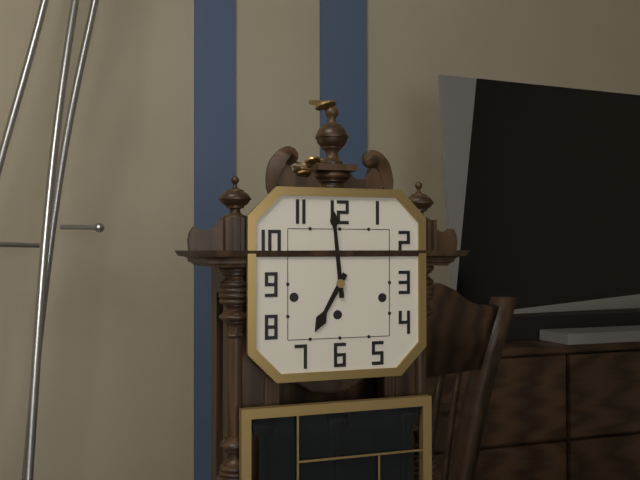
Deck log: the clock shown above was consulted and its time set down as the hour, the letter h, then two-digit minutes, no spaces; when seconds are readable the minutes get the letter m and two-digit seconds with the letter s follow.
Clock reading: 6h59
